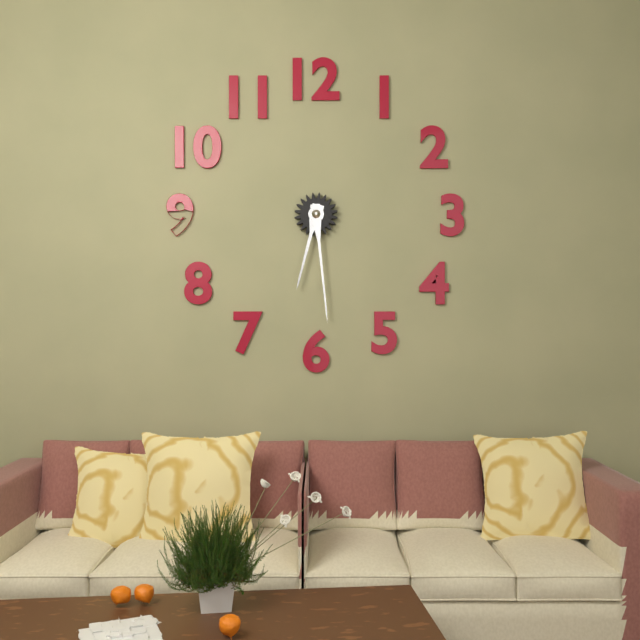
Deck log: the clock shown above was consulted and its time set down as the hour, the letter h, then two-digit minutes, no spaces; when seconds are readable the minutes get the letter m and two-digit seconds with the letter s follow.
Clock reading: 6h29
